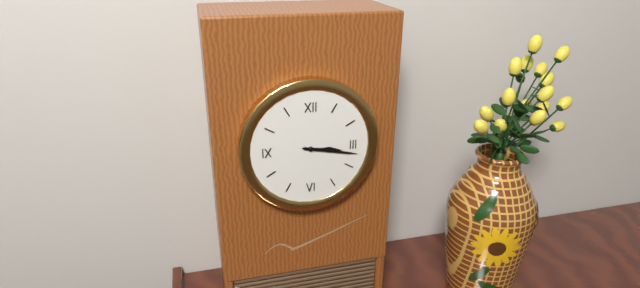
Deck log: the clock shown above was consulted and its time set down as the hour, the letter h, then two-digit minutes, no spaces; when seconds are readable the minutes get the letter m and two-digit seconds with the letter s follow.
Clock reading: 3h17
